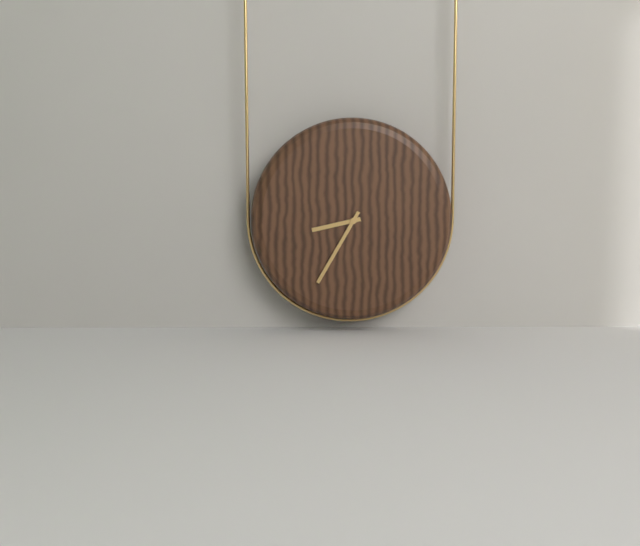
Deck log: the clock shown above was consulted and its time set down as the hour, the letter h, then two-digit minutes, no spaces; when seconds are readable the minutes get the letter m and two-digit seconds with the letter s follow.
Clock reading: 8h35
